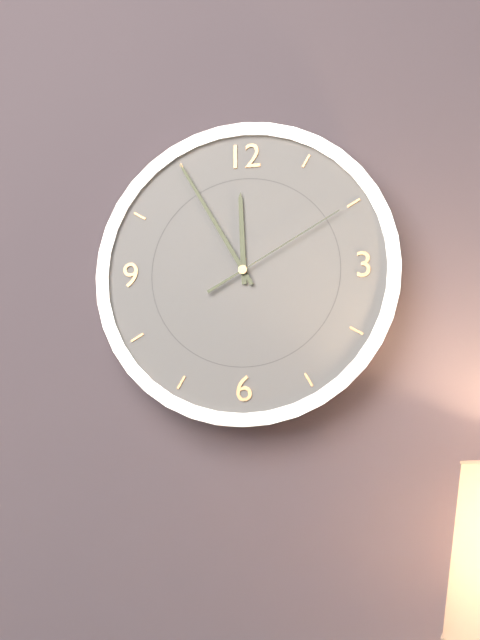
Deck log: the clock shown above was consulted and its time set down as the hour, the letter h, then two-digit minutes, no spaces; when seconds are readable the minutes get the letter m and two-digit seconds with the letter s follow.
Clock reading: 11h55m10s
